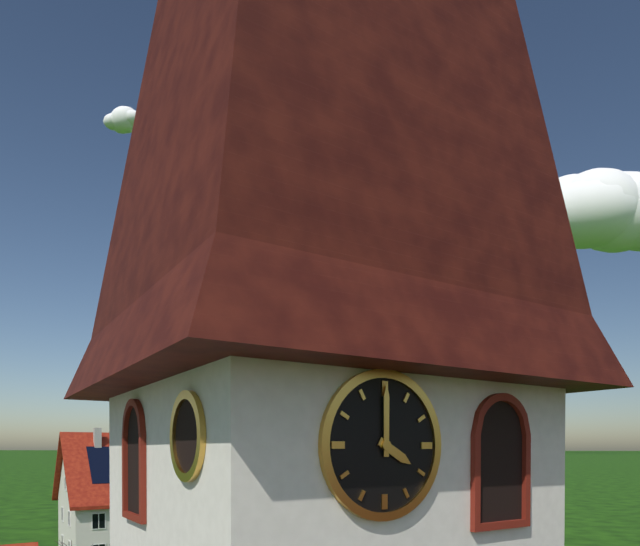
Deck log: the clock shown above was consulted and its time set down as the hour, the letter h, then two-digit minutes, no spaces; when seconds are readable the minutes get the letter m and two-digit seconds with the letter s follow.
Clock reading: 4h00
